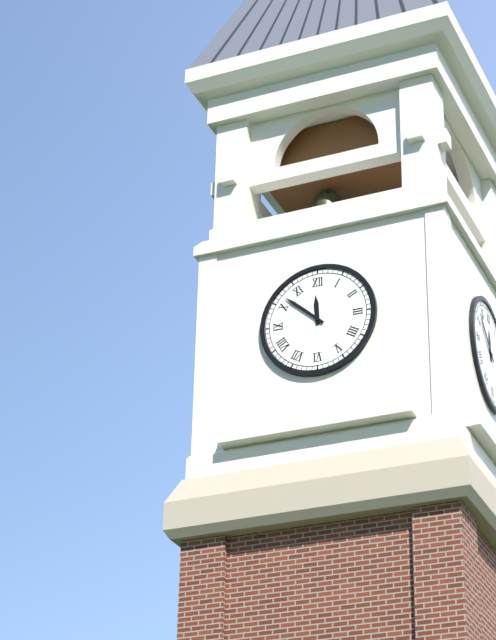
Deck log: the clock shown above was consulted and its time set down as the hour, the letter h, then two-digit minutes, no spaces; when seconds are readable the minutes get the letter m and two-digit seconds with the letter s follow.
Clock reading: 11h52
